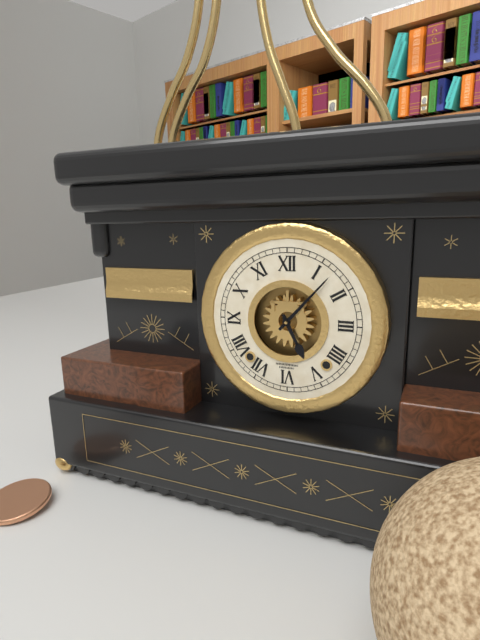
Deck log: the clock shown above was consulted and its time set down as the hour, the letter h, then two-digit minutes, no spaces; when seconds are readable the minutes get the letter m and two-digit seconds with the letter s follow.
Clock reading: 5h07
